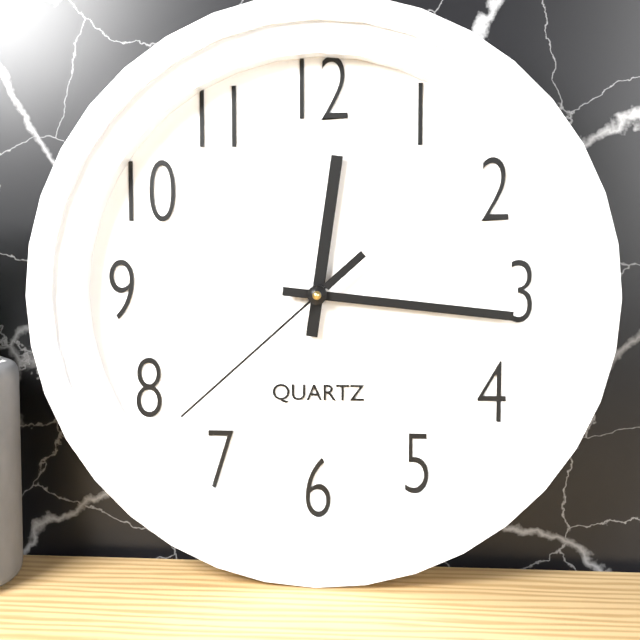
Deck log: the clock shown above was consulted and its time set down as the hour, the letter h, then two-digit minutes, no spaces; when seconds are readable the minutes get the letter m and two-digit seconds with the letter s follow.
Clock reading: 12h16m38s
